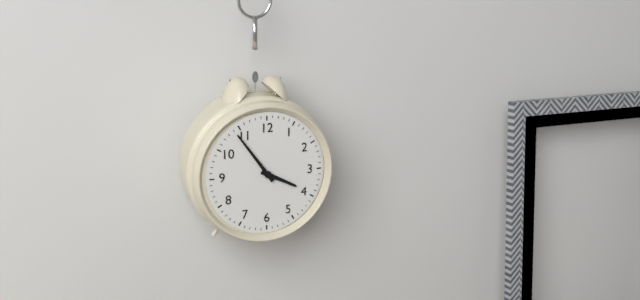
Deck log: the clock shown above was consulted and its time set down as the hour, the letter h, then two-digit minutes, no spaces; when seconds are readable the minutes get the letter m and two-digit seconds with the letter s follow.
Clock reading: 3h54
